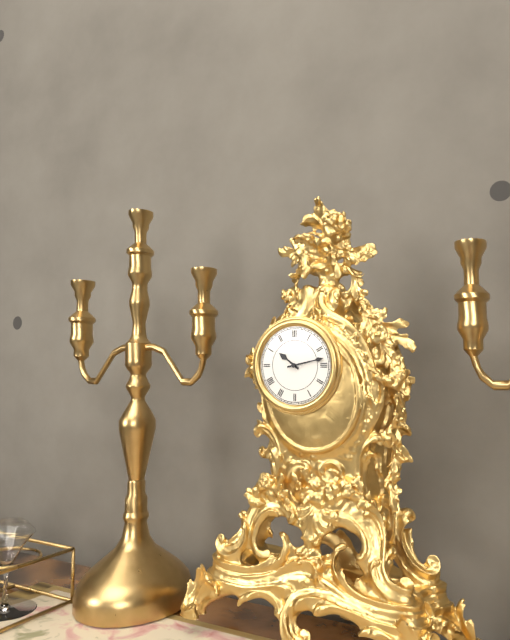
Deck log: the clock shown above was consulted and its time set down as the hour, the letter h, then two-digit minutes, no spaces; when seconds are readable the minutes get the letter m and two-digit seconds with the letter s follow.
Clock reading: 10h13
